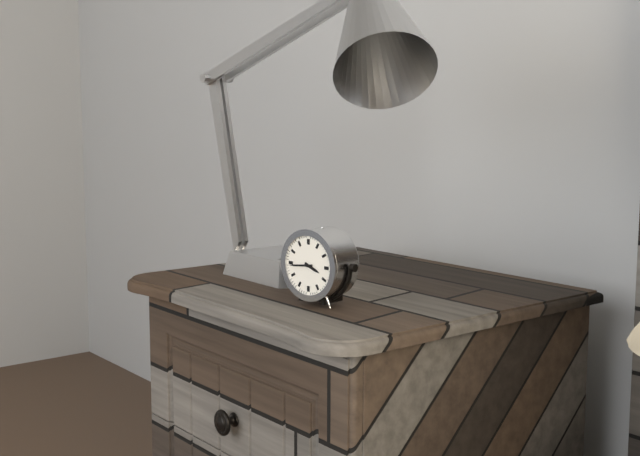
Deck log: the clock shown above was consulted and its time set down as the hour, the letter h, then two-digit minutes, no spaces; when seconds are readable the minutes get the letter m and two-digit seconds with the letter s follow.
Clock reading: 3h44
